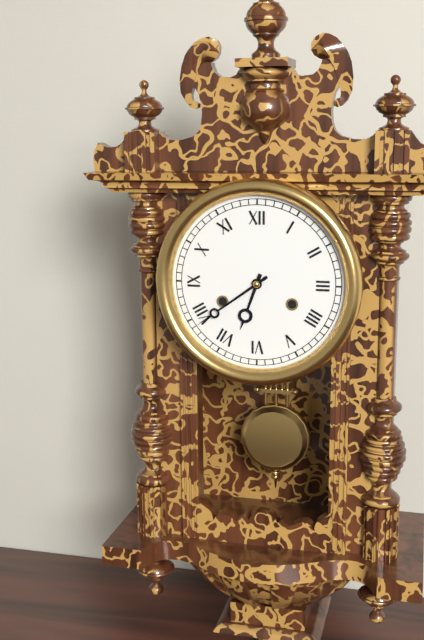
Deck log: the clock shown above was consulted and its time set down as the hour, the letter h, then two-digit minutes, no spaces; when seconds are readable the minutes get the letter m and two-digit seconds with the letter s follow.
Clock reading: 6h39
